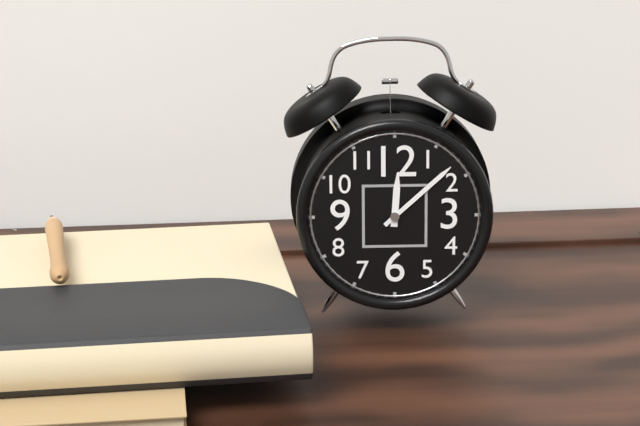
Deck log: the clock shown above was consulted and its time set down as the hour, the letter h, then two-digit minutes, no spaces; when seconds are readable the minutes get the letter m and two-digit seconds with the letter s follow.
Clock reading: 12h08
